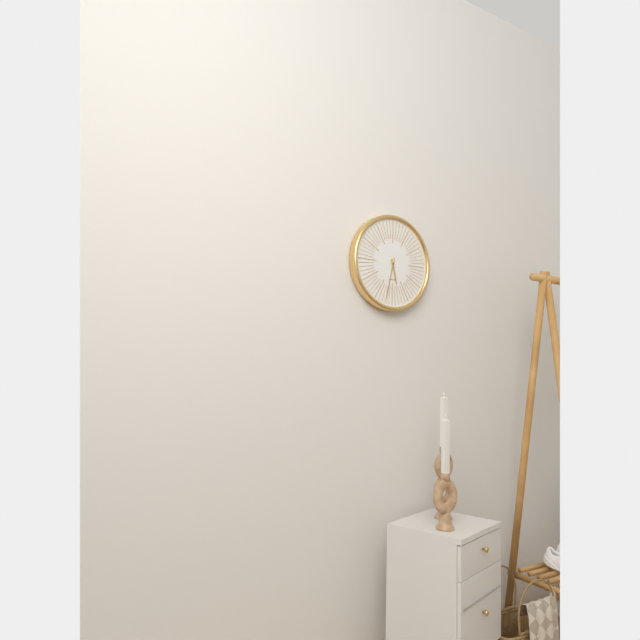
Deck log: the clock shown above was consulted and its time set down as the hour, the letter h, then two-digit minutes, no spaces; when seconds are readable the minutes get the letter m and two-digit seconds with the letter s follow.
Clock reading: 5h32
